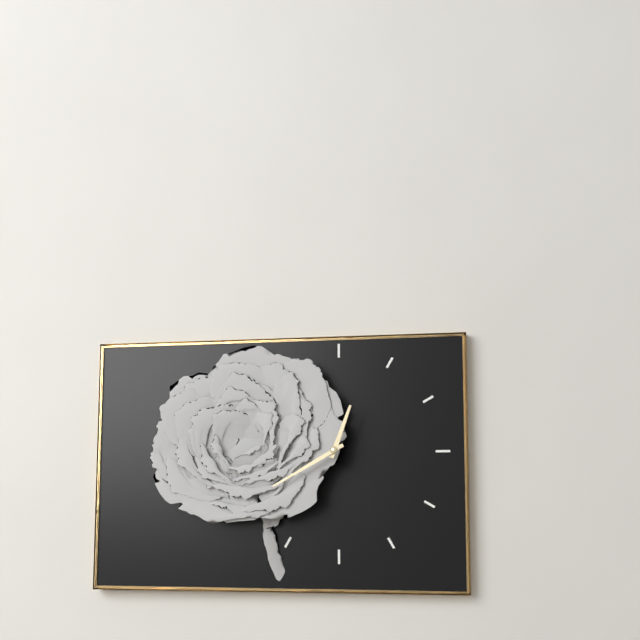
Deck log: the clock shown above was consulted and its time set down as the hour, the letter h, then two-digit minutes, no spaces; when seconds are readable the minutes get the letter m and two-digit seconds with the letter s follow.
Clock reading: 12h40
